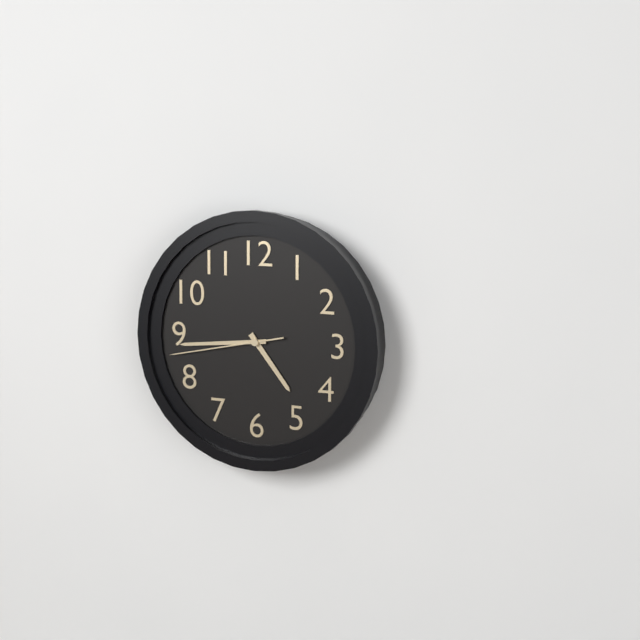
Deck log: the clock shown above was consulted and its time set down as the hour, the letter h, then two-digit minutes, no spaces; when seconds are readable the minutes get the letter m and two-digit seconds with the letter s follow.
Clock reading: 4h44m43s
